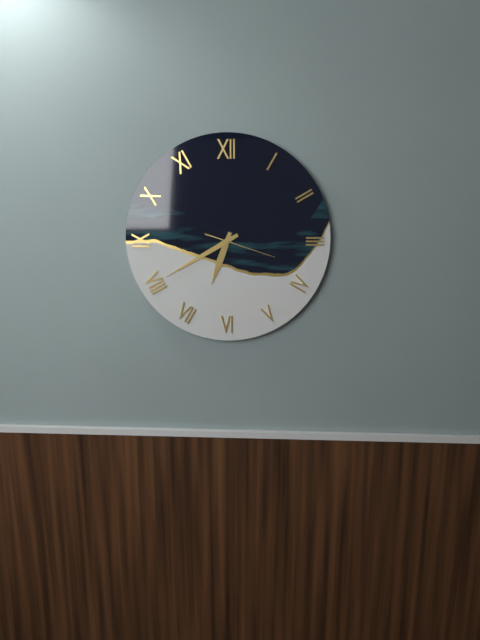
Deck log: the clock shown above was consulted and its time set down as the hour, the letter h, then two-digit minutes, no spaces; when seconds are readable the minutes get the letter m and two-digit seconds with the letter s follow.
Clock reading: 6h40m18s
